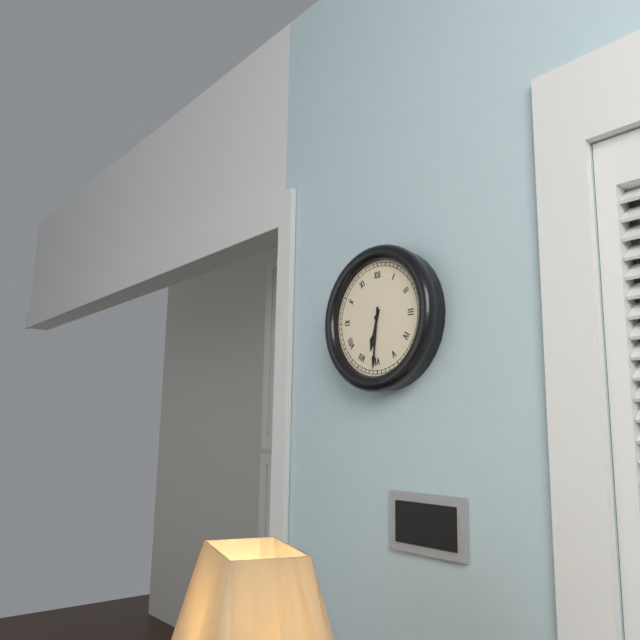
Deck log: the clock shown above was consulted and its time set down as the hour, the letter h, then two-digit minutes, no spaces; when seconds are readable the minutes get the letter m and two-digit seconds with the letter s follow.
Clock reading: 6h31
